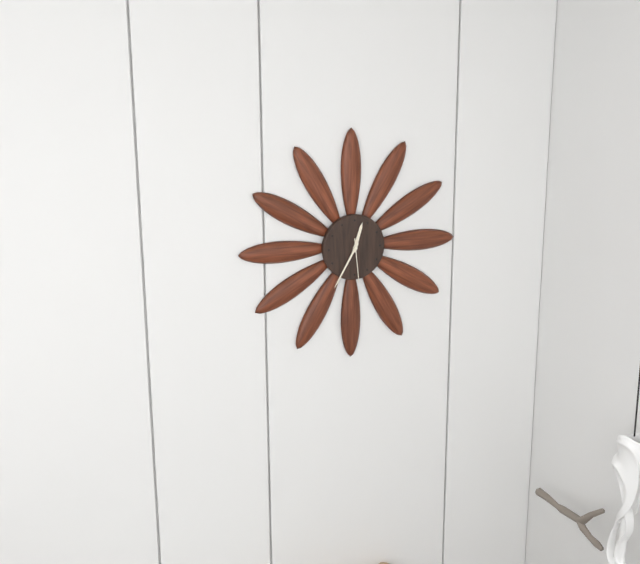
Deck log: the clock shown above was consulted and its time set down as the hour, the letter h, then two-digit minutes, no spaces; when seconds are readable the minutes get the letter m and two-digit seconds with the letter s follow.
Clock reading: 12h35
